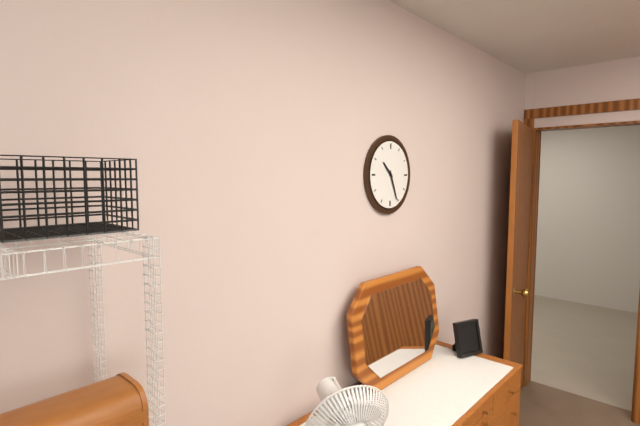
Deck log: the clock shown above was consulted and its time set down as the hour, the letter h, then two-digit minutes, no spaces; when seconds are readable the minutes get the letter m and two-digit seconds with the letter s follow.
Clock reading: 10h26
